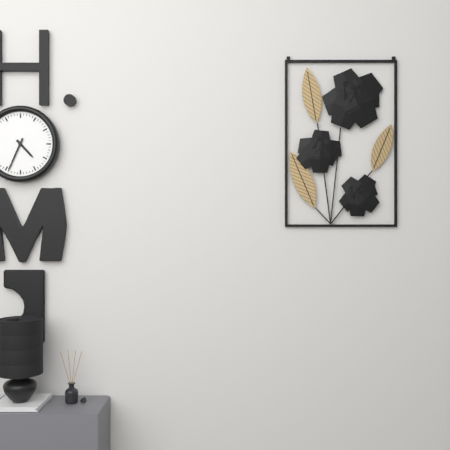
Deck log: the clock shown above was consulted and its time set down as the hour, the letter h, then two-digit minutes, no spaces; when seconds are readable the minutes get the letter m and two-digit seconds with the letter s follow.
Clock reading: 4h34
